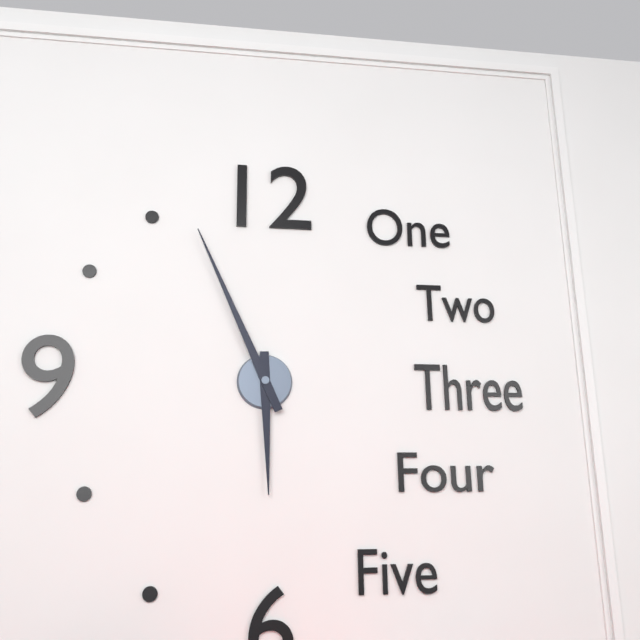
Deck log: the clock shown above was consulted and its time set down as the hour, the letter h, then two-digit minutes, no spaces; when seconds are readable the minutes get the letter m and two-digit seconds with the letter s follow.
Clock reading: 5h56
